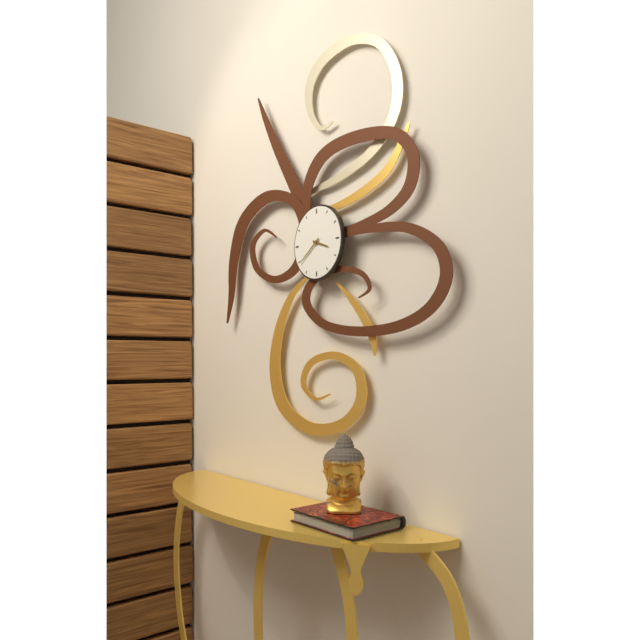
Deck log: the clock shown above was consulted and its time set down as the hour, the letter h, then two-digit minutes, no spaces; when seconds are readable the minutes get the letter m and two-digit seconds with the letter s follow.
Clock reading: 3h39
